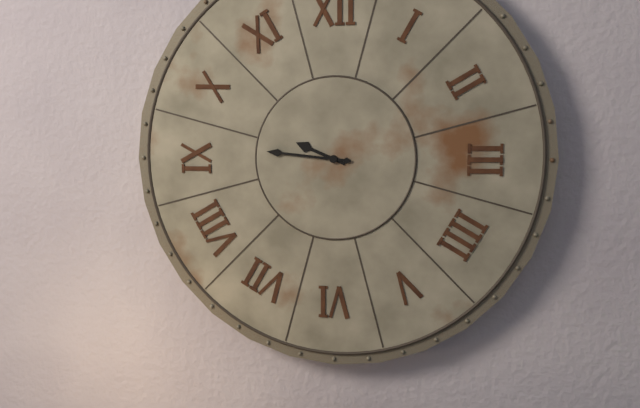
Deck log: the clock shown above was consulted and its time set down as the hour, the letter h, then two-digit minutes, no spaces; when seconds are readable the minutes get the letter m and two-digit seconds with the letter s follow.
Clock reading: 9h46
